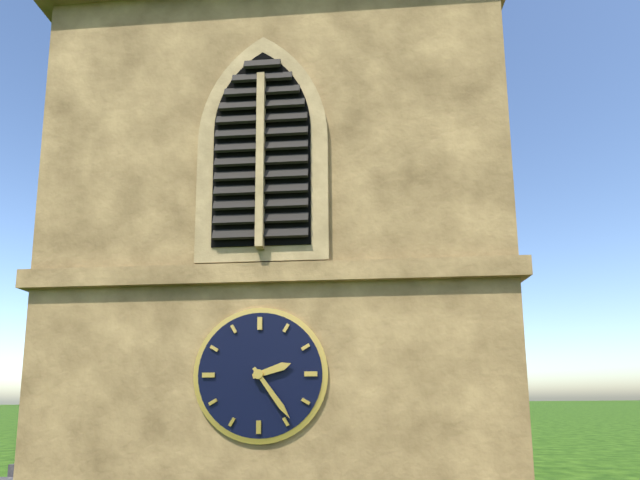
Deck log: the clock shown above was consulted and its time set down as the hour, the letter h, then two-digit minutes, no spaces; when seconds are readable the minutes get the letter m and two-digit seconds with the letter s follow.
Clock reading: 2h24
